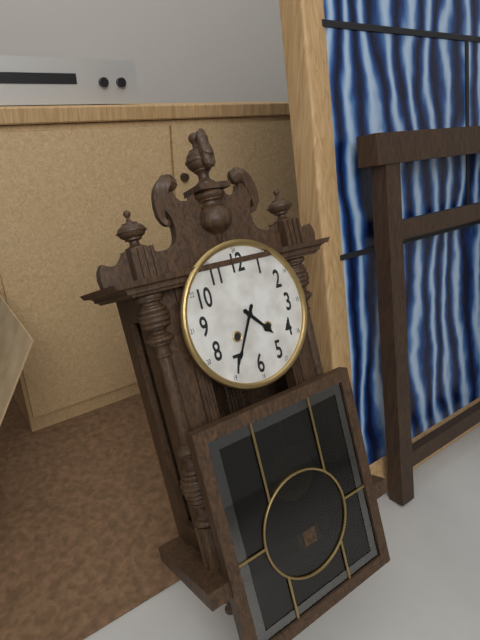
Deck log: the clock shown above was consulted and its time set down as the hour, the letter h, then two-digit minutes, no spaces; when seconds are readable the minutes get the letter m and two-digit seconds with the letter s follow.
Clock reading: 4h35
